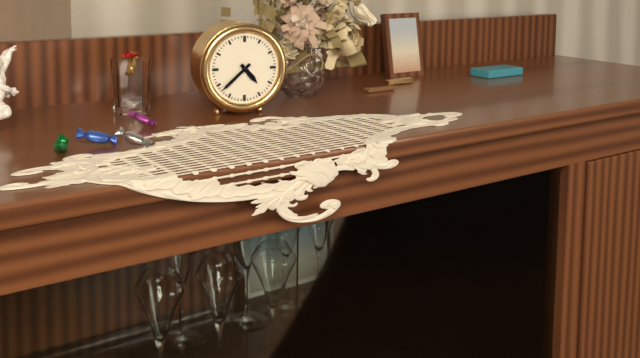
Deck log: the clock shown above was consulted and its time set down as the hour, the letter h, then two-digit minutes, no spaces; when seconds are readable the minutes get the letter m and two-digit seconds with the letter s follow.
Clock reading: 4h38
